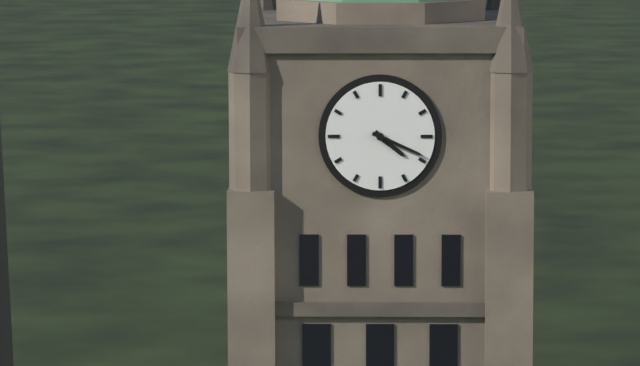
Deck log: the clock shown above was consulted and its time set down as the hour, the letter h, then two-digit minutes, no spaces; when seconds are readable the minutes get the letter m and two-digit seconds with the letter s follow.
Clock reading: 4h19
